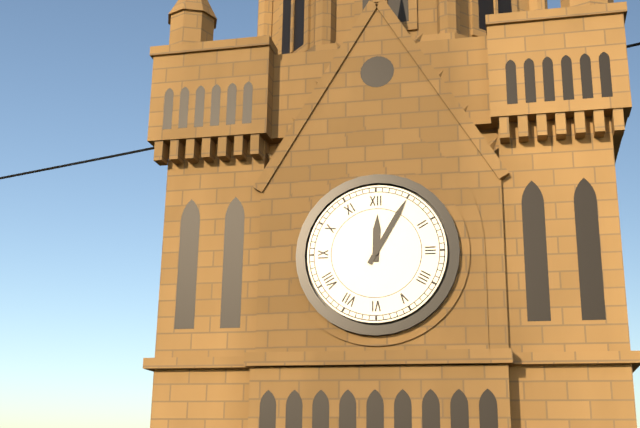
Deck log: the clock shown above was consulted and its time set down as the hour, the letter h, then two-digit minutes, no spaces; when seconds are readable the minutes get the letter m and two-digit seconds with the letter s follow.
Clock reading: 12h05
